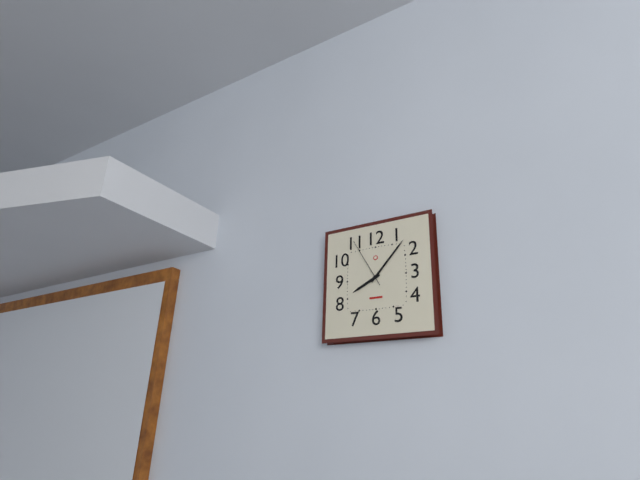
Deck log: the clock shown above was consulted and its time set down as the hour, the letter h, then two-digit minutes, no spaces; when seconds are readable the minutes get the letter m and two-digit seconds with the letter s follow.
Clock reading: 8h07m55s
